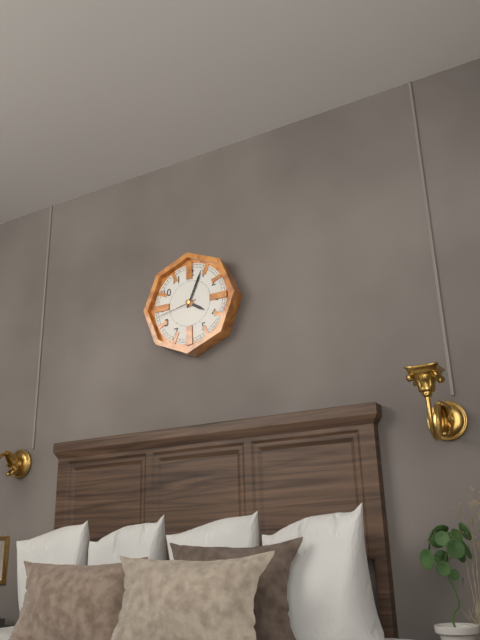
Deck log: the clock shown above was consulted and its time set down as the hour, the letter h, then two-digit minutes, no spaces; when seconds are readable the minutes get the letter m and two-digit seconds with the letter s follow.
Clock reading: 4h04
